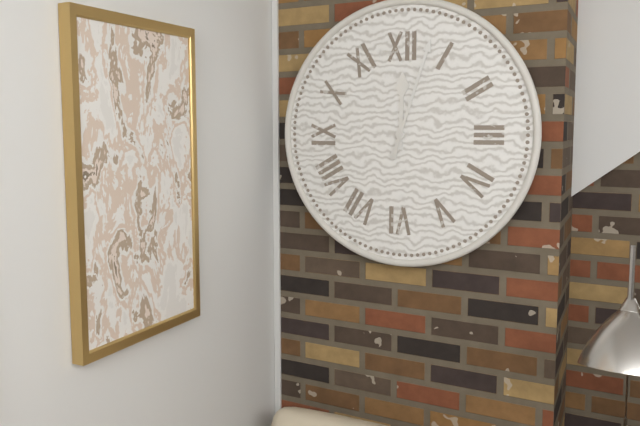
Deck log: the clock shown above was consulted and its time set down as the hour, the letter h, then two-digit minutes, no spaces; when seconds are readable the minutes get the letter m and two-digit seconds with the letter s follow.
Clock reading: 12h03
